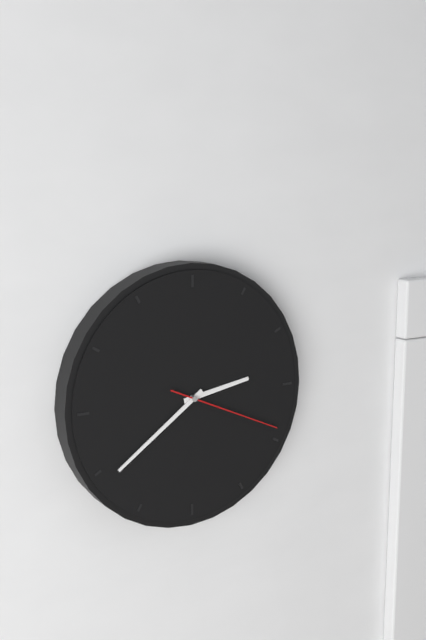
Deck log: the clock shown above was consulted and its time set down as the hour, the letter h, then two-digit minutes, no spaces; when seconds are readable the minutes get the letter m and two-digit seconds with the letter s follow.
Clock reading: 2h39m19s
